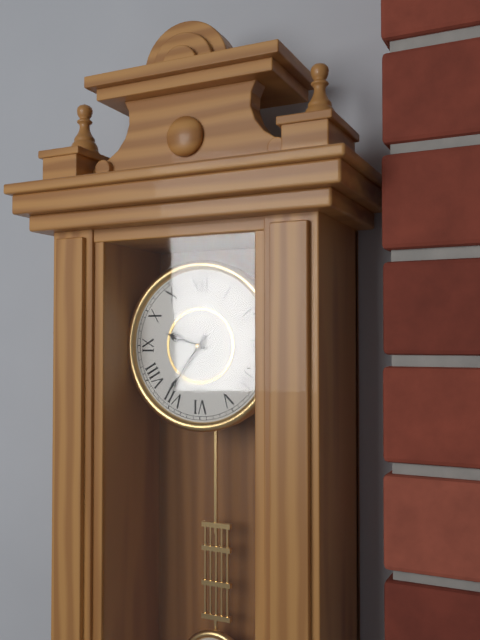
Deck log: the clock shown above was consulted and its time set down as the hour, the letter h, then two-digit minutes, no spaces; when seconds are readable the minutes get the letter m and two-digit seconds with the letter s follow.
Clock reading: 9h36
